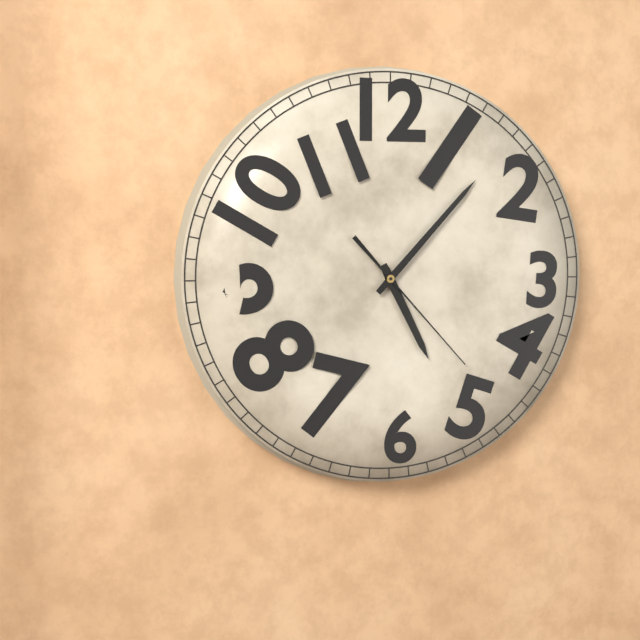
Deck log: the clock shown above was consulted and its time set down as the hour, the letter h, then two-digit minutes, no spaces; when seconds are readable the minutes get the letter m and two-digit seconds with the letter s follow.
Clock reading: 5h07m23s
